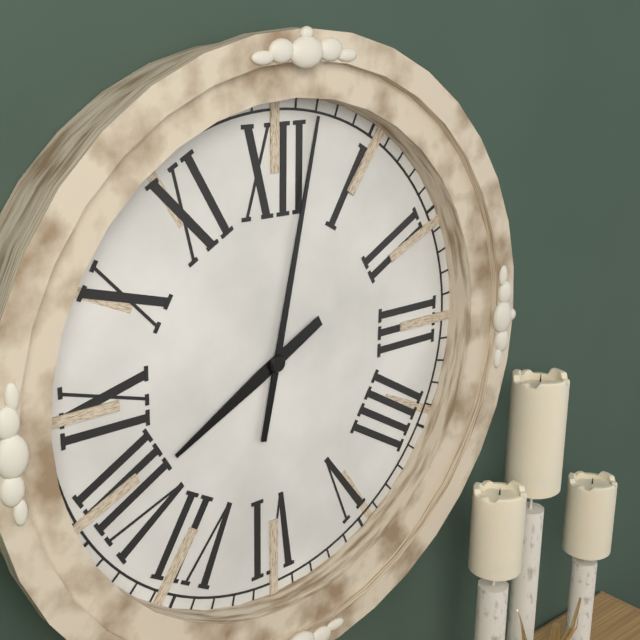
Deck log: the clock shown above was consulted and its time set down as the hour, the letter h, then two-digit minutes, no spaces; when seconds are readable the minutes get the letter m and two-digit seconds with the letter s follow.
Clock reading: 8h02
